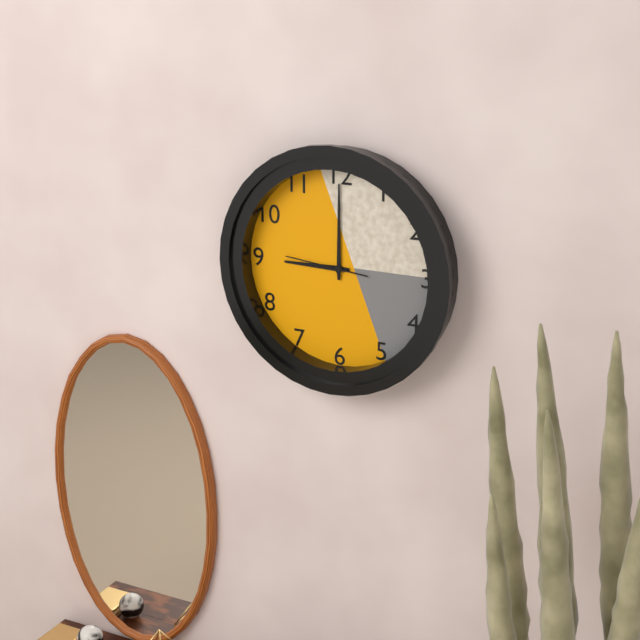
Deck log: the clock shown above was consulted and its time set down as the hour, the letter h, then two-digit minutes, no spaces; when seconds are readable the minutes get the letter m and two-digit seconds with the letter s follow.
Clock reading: 9h00m46s
